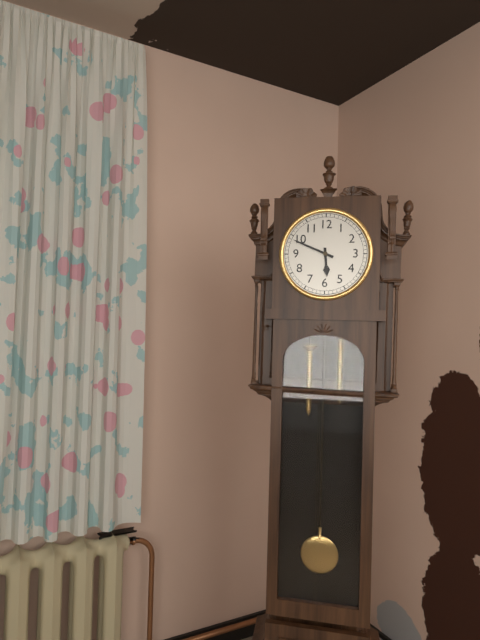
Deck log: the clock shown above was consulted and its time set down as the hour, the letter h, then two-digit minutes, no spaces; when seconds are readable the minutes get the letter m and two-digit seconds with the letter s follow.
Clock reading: 5h49
